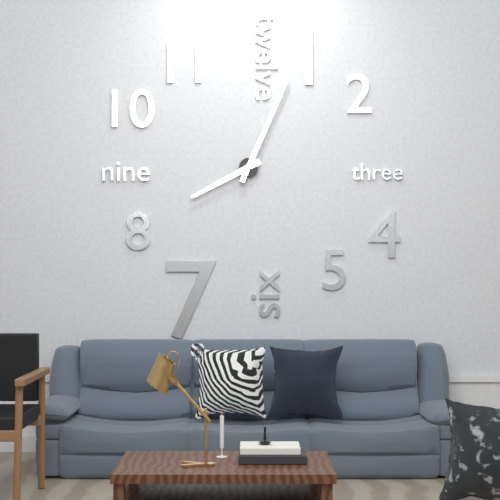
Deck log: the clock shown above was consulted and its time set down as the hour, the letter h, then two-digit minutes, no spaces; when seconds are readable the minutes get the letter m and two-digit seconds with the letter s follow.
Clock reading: 8h04
